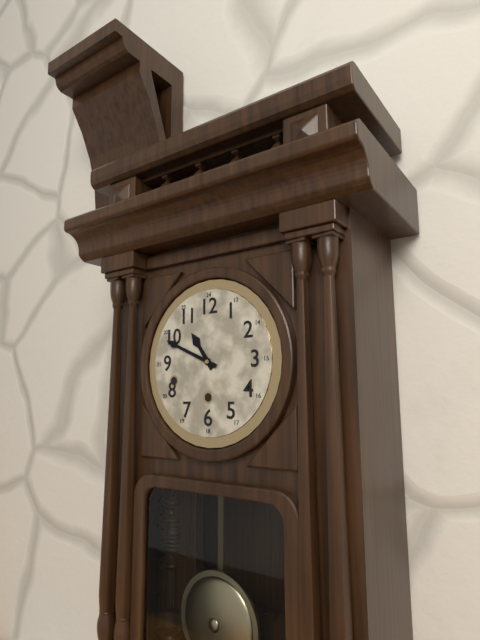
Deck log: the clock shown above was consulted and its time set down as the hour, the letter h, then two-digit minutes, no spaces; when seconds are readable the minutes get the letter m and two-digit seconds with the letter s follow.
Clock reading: 10h49
